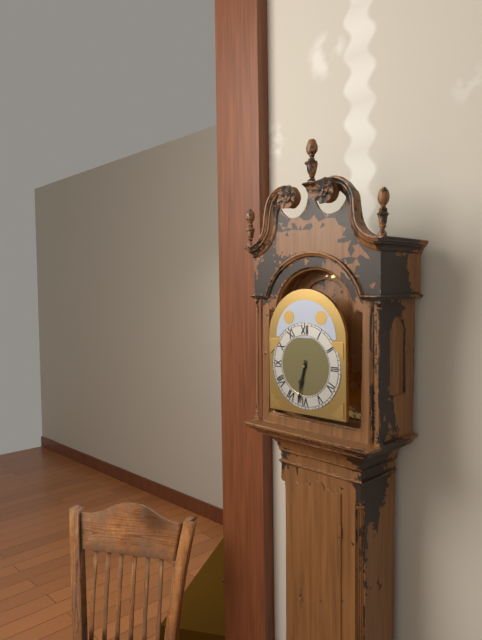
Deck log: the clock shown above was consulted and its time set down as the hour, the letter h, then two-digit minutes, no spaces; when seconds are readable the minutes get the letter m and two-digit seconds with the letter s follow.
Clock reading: 6h32
